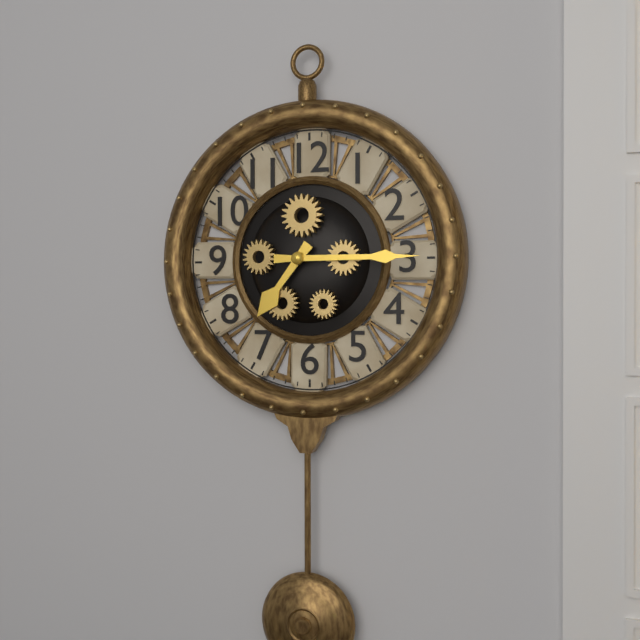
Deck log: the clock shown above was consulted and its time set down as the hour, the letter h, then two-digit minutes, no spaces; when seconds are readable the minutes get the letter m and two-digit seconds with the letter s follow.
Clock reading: 7h15
